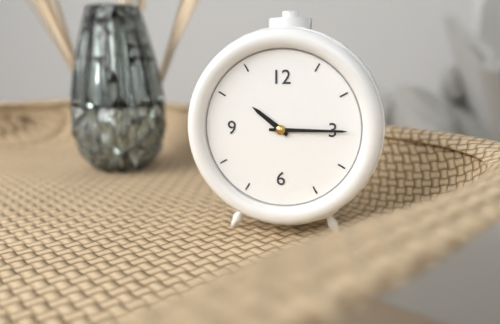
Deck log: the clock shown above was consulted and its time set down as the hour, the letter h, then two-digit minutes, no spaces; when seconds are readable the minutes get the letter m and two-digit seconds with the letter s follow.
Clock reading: 10h15
